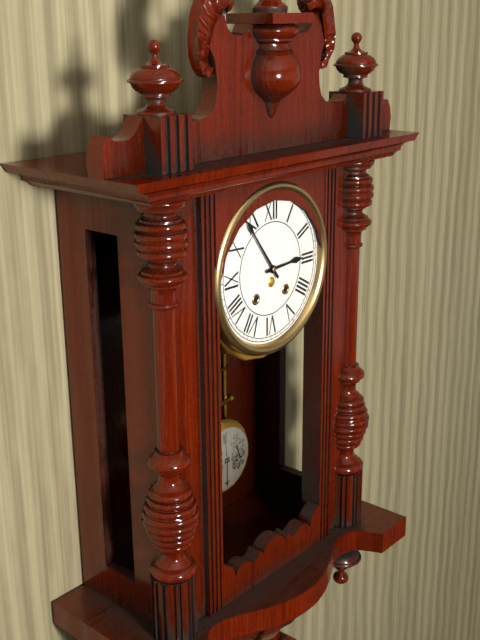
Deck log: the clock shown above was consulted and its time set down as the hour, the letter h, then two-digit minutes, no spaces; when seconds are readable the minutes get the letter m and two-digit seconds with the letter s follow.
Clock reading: 2h54
